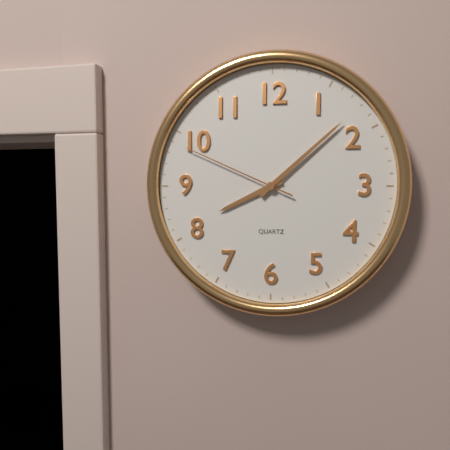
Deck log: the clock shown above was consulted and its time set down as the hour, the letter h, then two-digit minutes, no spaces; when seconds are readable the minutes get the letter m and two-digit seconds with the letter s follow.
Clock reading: 8h08m49s
